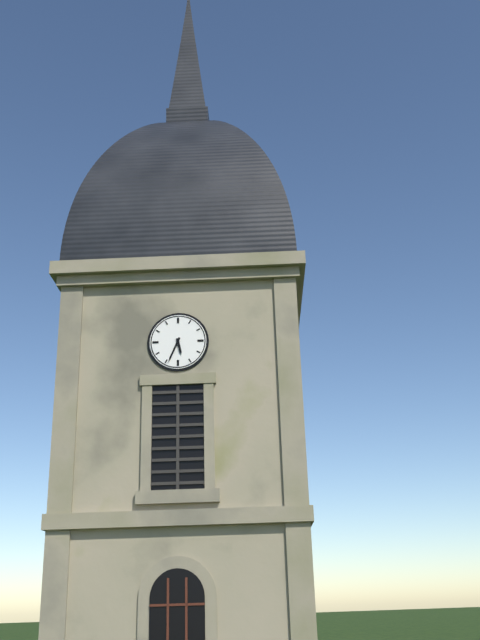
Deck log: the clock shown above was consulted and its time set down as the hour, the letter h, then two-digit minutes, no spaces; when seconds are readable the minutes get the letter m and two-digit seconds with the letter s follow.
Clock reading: 5h34
